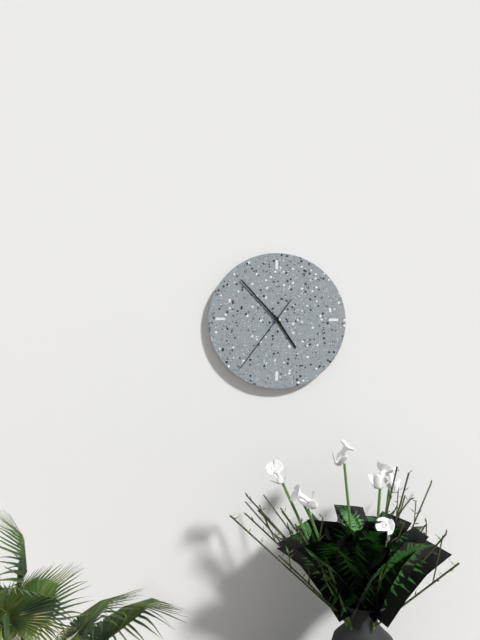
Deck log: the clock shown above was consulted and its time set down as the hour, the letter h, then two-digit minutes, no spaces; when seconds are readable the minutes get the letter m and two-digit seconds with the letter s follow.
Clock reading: 4h53m36s
